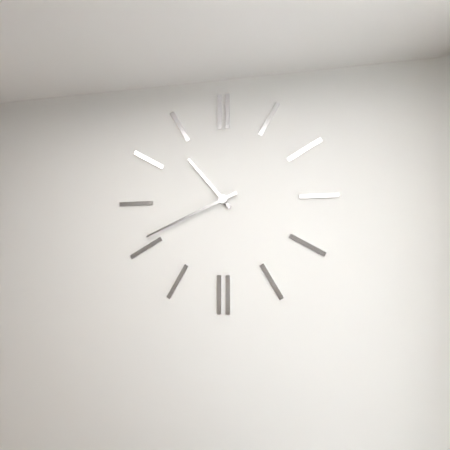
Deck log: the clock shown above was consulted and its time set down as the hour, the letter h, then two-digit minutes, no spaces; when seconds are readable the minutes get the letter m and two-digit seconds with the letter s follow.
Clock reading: 10h41
